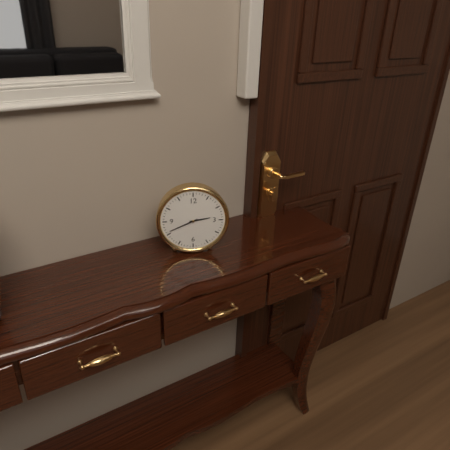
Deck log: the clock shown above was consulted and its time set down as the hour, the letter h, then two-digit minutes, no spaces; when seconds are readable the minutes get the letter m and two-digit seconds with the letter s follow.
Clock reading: 2h41
